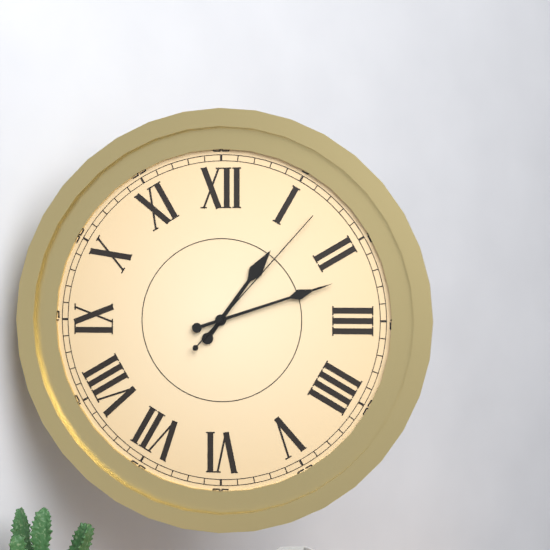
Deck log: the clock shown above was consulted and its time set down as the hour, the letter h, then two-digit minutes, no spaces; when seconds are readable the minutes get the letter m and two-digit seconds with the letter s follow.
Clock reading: 1h12m07s
